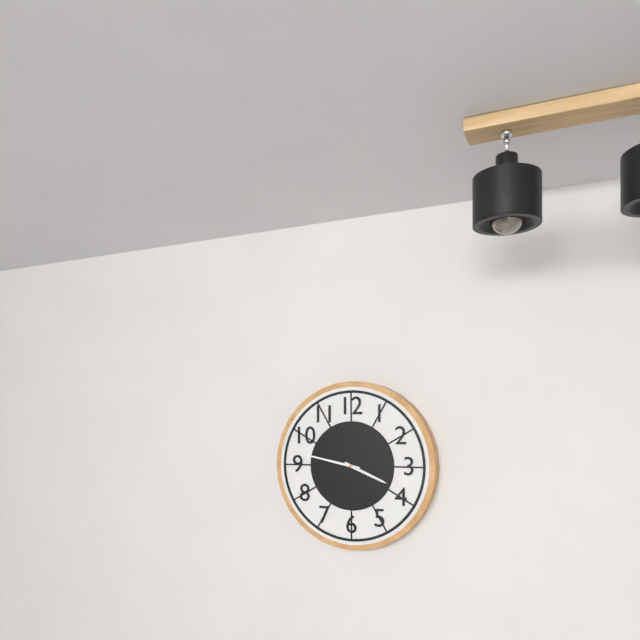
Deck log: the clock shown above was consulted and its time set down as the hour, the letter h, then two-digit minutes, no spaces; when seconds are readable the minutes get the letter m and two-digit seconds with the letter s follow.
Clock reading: 3h47
